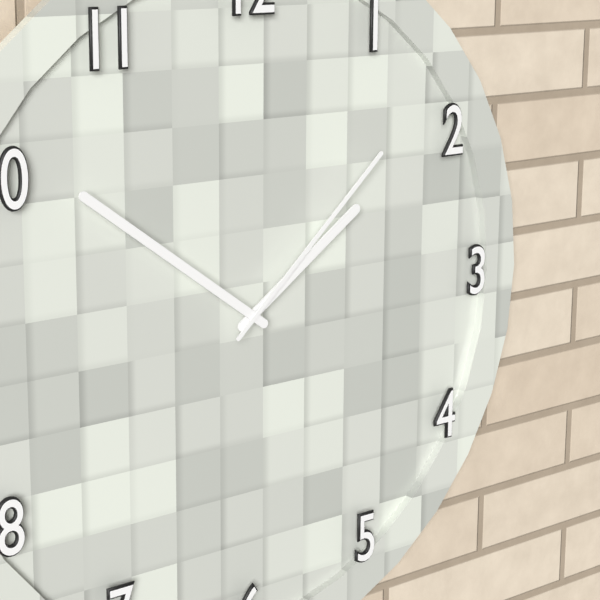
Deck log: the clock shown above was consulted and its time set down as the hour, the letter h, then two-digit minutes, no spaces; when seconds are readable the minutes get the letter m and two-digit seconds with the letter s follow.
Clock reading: 1h51m08s
